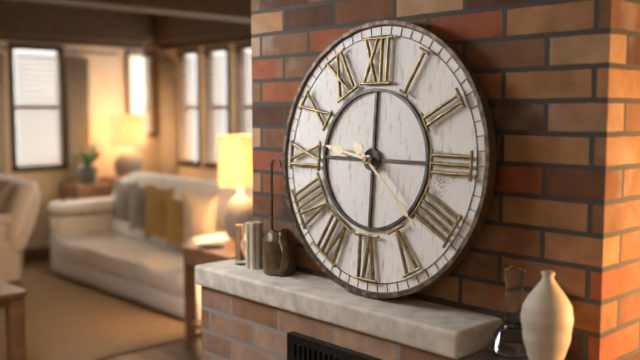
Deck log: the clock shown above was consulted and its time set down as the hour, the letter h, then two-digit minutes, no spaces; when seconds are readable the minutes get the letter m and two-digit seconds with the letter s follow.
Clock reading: 9h22
